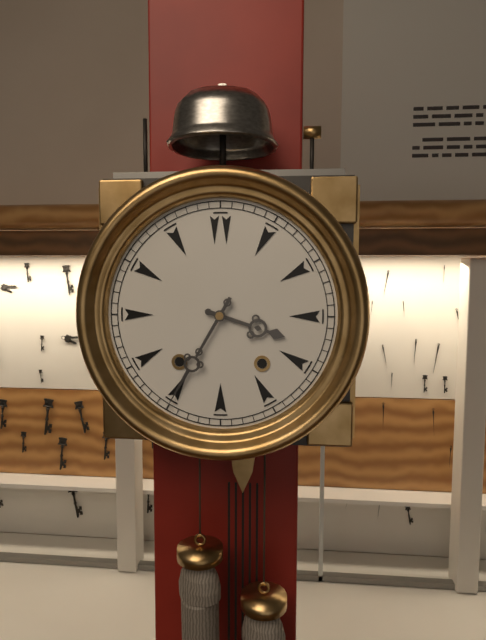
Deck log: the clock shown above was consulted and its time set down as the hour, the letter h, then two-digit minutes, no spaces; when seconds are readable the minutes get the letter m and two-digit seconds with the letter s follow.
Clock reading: 3h35
